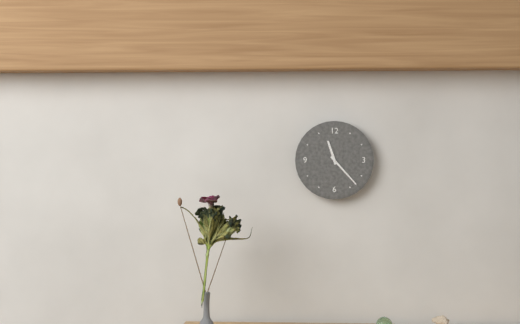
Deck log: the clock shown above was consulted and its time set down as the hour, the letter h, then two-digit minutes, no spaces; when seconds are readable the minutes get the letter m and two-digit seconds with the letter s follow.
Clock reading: 11h23
